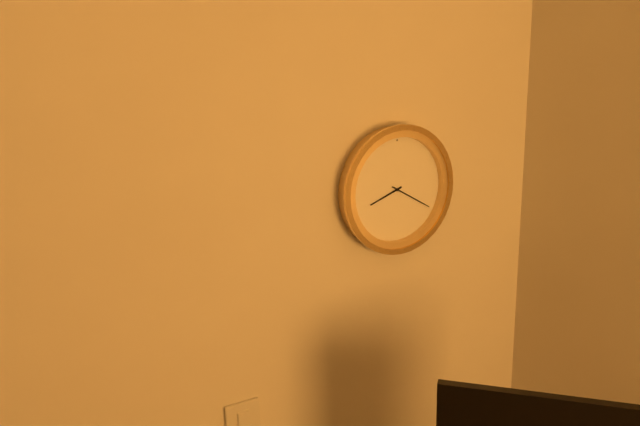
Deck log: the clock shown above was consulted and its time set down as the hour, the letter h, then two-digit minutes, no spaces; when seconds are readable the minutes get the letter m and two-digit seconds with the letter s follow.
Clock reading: 8h20
